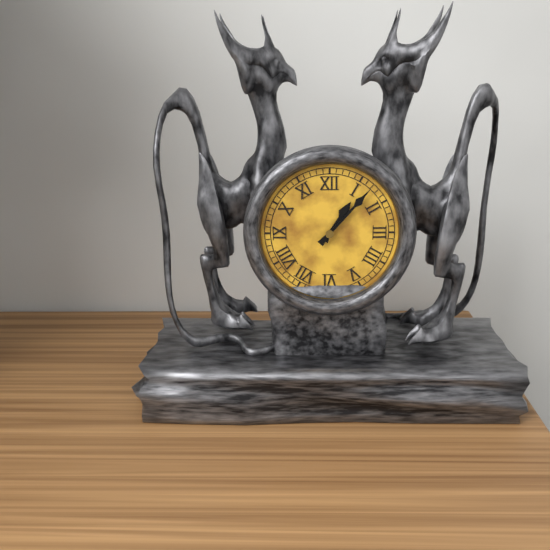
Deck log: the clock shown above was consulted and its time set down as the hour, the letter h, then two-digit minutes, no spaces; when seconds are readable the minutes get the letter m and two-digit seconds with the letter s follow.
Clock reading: 1h07
